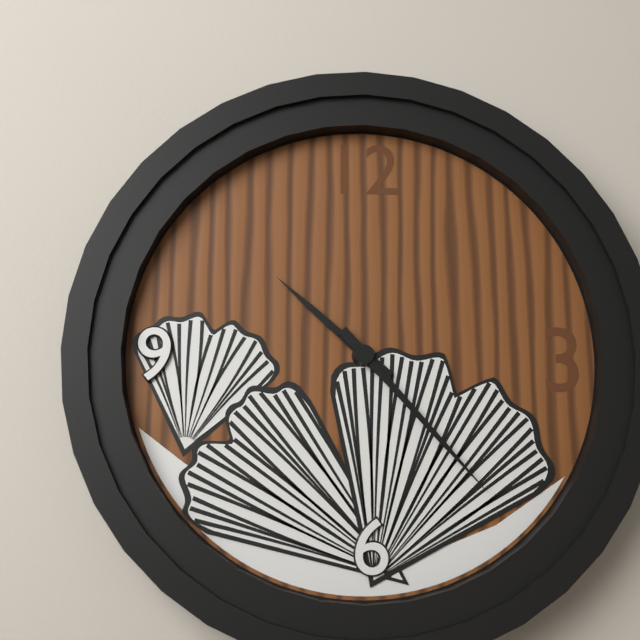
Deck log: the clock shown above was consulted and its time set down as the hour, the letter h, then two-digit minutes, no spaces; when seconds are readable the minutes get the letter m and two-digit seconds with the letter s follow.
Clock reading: 10h23
